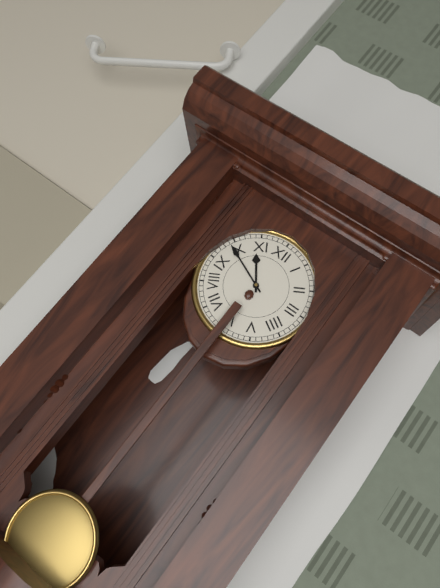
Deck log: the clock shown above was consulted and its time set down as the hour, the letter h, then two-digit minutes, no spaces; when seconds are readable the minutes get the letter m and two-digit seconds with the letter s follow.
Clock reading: 10h49
